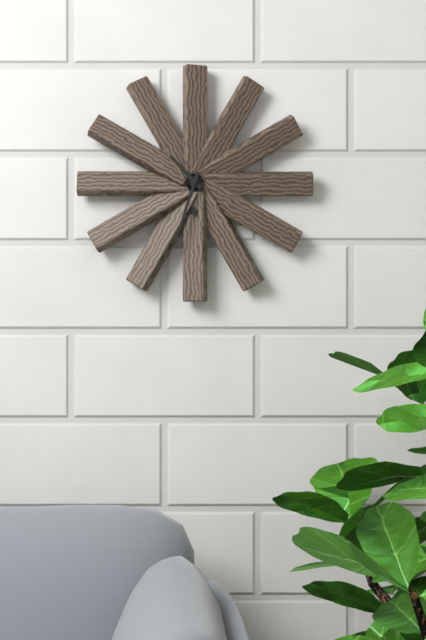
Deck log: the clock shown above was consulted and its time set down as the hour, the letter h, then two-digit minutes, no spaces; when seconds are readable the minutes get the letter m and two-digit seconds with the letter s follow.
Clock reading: 10h33
